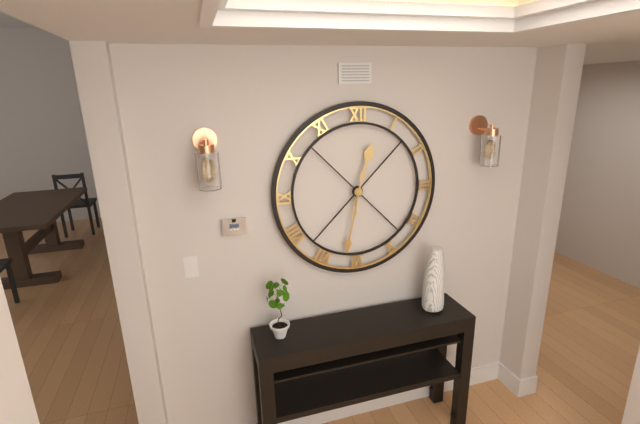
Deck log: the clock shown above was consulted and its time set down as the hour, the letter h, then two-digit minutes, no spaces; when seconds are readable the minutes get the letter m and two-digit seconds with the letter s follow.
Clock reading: 12h32
